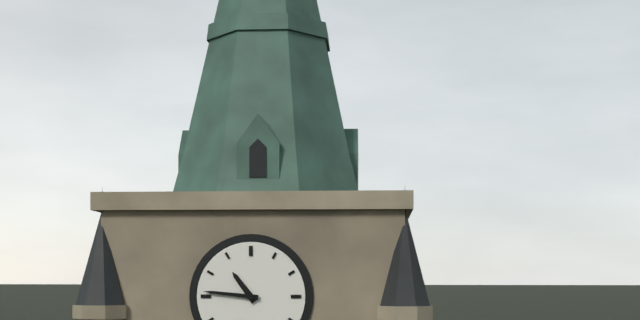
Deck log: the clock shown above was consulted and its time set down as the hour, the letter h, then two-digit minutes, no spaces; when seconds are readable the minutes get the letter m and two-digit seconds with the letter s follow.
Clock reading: 10h46
